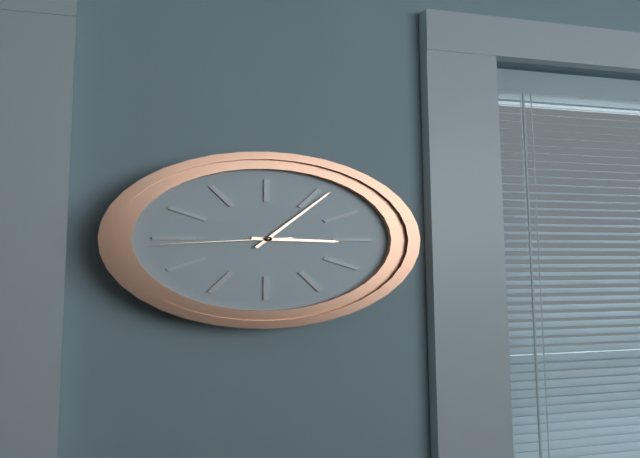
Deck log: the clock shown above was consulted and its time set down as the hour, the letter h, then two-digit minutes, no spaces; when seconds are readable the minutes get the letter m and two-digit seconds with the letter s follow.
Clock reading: 3h06m44s
